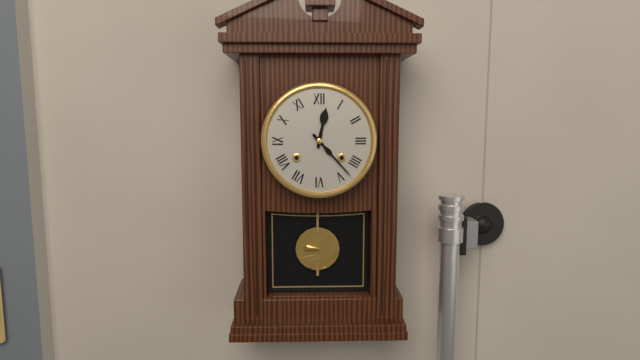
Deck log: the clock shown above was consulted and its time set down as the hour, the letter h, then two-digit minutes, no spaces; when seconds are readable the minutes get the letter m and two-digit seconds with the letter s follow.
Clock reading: 12h23
